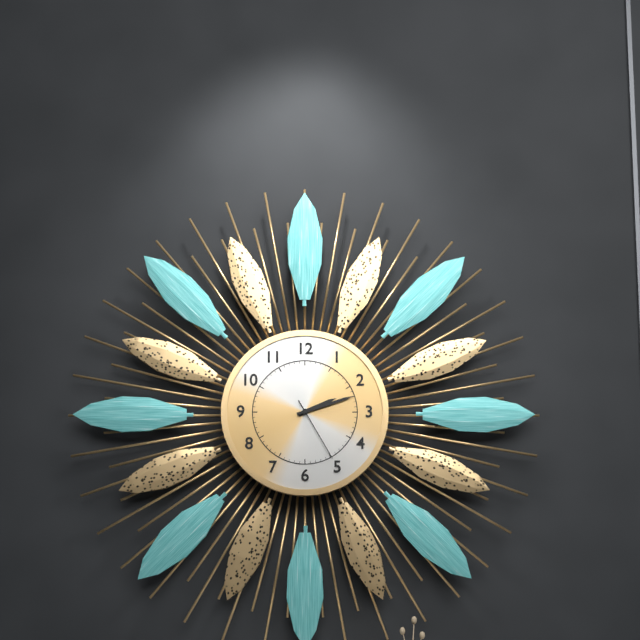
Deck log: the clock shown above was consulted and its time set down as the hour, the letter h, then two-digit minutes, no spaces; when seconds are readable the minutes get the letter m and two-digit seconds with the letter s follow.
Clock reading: 2h12m25s
